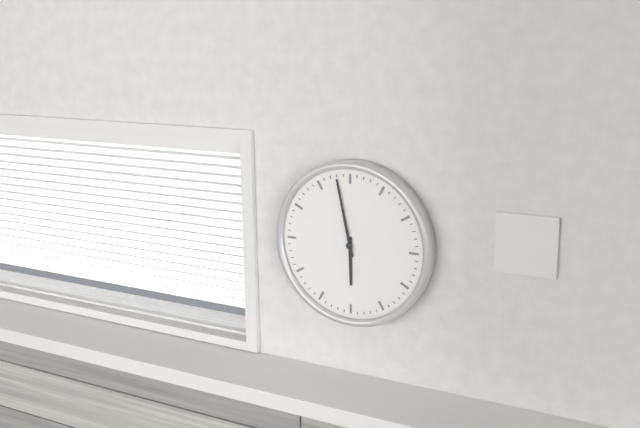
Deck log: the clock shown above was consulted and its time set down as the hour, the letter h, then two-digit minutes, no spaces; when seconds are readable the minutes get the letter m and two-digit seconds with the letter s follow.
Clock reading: 5h58
